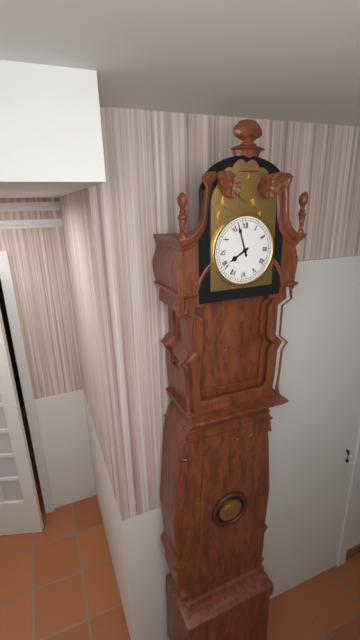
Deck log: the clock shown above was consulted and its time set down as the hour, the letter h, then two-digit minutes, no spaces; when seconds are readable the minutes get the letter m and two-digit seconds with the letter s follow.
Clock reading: 7h57
